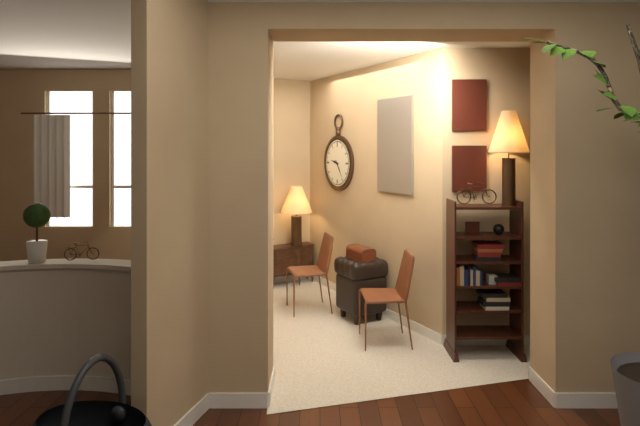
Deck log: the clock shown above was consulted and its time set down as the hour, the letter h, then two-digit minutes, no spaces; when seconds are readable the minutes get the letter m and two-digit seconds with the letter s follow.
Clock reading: 9h24
